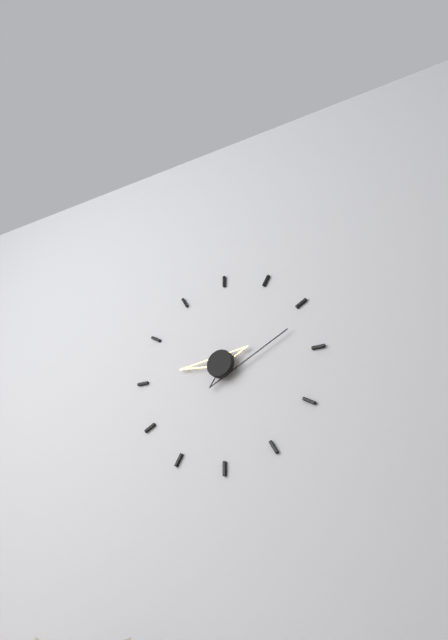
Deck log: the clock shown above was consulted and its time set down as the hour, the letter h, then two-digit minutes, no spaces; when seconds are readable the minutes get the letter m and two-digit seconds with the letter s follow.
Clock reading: 9h12
